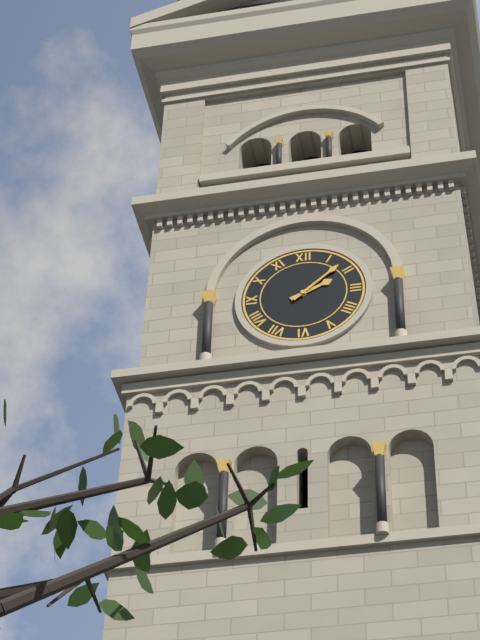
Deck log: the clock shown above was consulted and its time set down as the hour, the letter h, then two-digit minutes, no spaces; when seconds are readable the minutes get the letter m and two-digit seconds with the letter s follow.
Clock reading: 2h08
